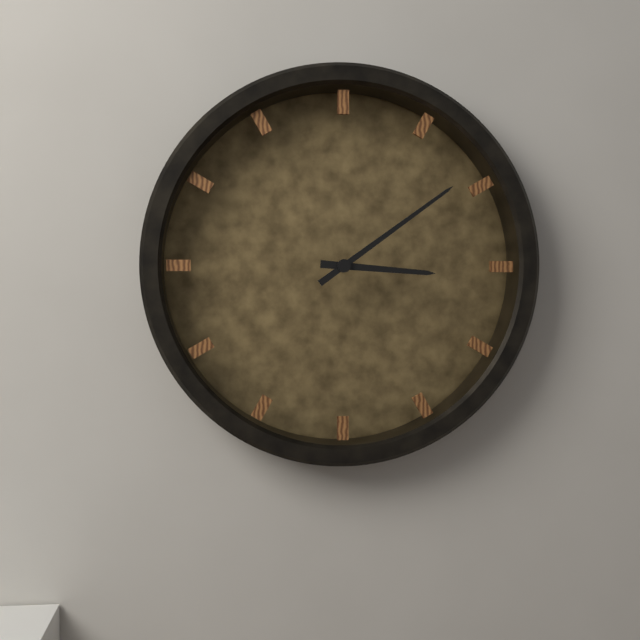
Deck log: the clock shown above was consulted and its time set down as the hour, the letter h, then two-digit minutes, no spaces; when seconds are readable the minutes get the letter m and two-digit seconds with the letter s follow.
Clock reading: 3h09
